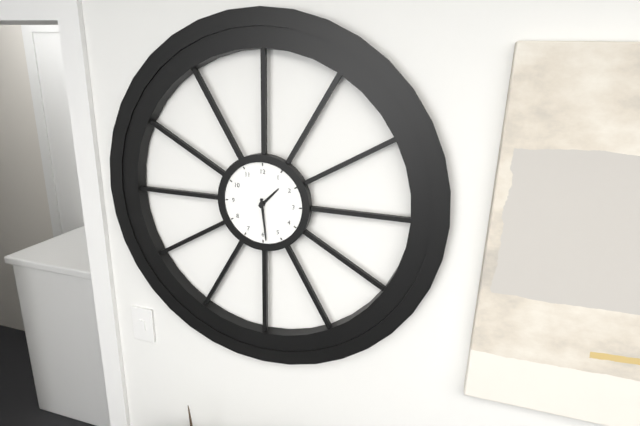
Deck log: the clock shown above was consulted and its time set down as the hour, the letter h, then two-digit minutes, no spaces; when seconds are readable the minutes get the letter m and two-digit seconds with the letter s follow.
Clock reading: 1h29
